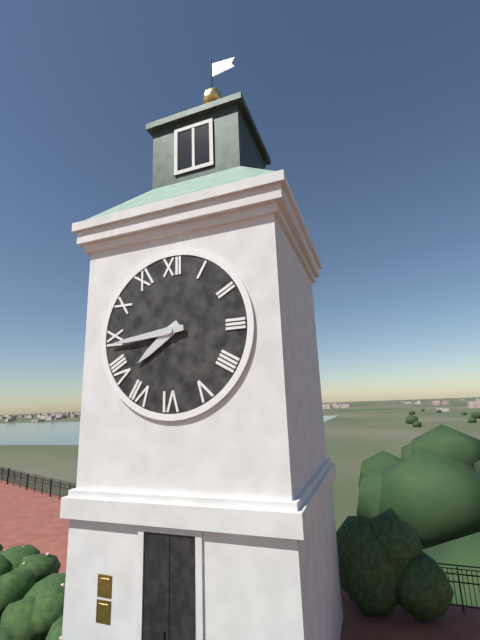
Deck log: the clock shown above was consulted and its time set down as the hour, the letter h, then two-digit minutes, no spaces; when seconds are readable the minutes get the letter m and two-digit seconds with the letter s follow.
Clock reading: 7h44
